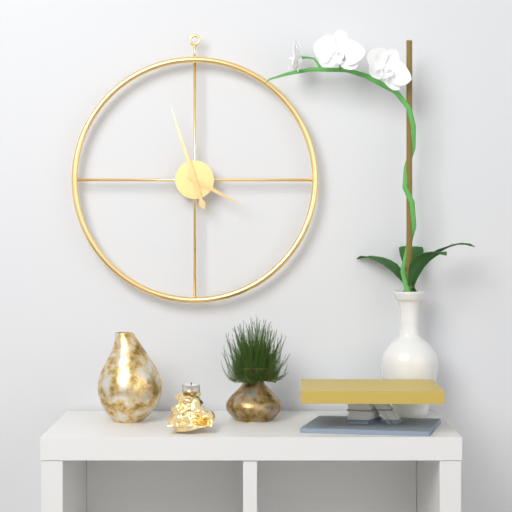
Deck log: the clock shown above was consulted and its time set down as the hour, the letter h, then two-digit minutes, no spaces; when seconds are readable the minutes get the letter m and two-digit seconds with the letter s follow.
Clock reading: 3h57
